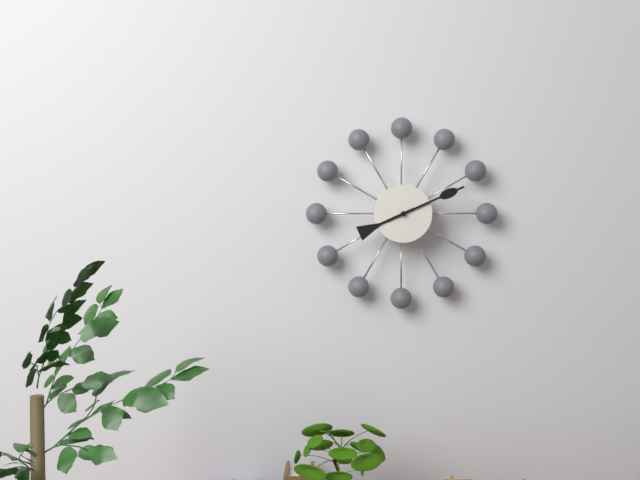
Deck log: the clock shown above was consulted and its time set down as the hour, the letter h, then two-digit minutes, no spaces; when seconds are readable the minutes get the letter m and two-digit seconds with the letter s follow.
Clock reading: 8h11
